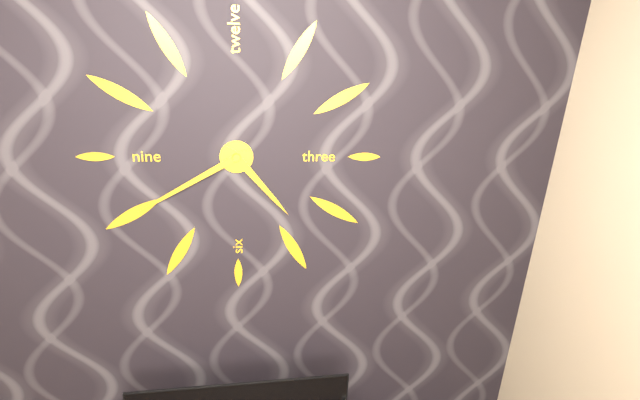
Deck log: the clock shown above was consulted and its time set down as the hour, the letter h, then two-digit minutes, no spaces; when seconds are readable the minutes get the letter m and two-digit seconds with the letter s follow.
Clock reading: 4h40
